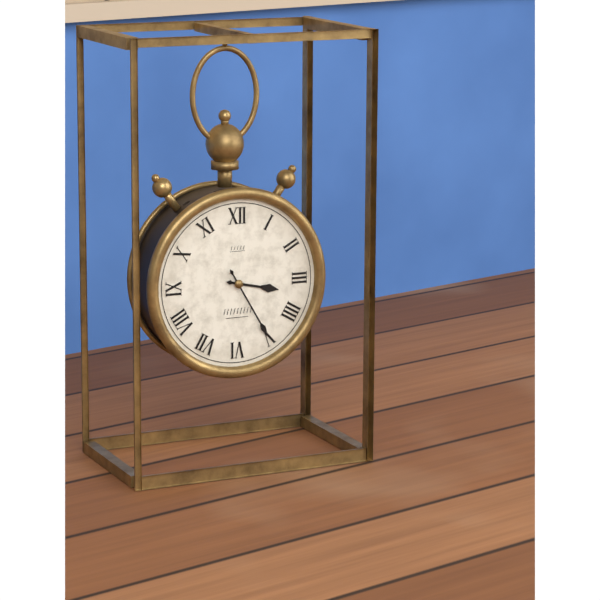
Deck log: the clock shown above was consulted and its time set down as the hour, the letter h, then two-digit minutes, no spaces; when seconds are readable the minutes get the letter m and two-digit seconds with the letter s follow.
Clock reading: 3h25
